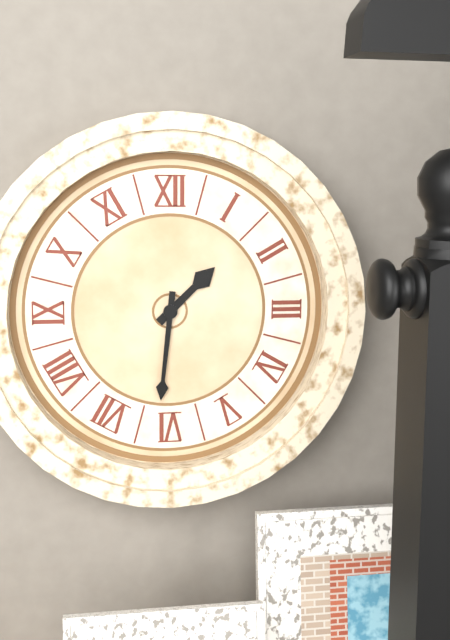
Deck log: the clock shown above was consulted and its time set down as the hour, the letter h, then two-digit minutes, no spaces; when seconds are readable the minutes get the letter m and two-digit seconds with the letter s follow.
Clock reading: 1h31
